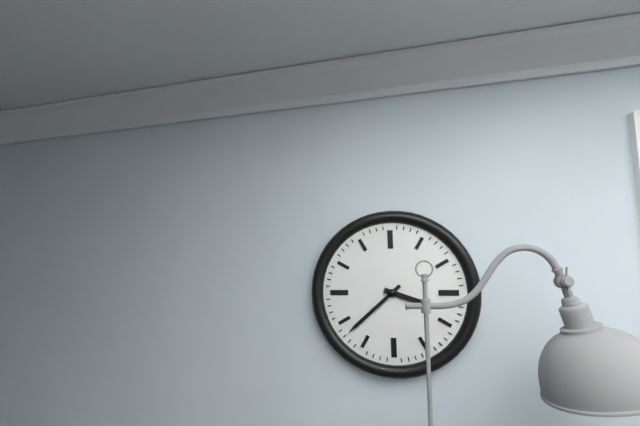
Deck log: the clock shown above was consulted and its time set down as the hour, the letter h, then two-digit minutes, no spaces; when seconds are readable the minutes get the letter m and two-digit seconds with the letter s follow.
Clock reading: 3h38
